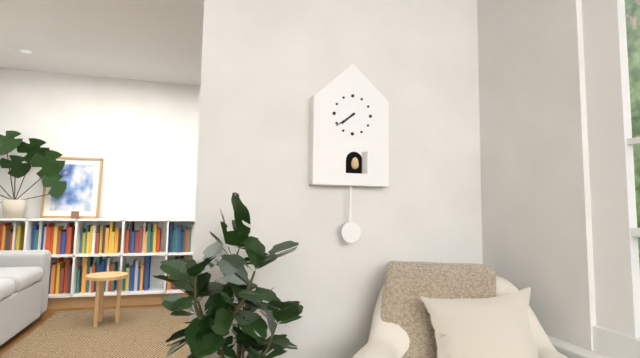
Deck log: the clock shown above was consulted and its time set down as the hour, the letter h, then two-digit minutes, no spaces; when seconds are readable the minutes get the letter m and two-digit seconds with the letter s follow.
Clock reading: 7h39
